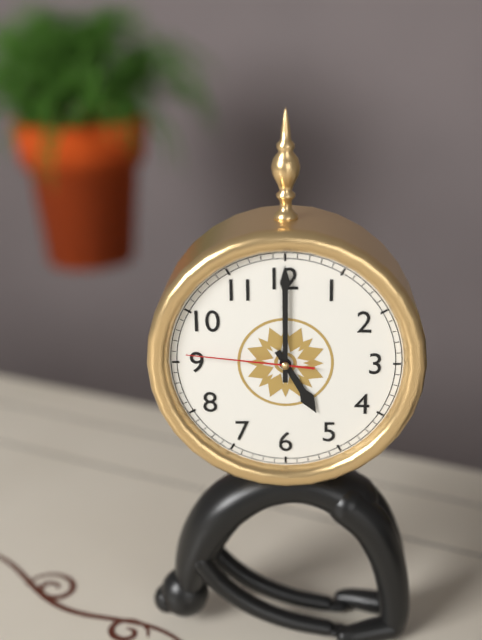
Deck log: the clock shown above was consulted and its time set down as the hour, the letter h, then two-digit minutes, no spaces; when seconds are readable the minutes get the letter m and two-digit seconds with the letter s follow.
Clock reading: 5h00m46s
